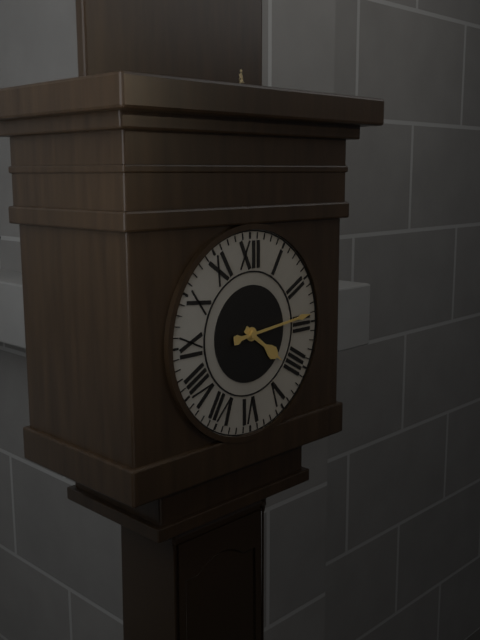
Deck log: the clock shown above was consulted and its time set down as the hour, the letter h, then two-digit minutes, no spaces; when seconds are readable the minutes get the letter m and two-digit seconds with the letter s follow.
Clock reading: 4h14
